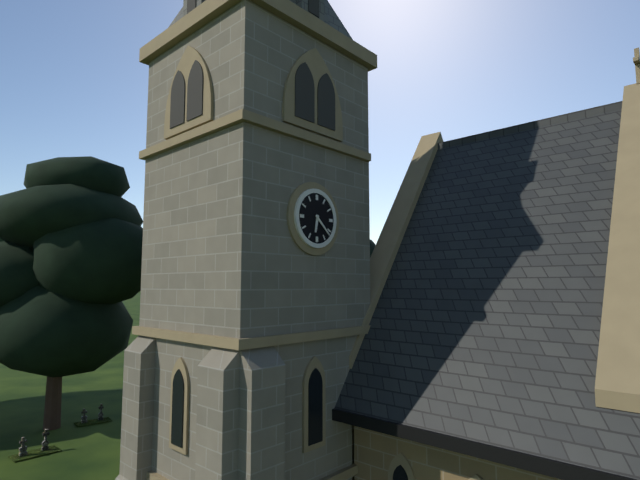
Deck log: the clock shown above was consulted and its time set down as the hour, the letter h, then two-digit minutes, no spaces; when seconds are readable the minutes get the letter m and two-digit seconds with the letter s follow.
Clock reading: 6h22
